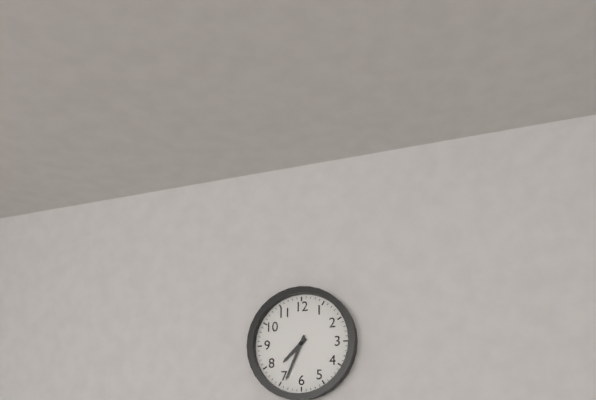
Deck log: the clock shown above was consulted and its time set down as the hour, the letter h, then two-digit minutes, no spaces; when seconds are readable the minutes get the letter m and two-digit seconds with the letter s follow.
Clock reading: 7h34
